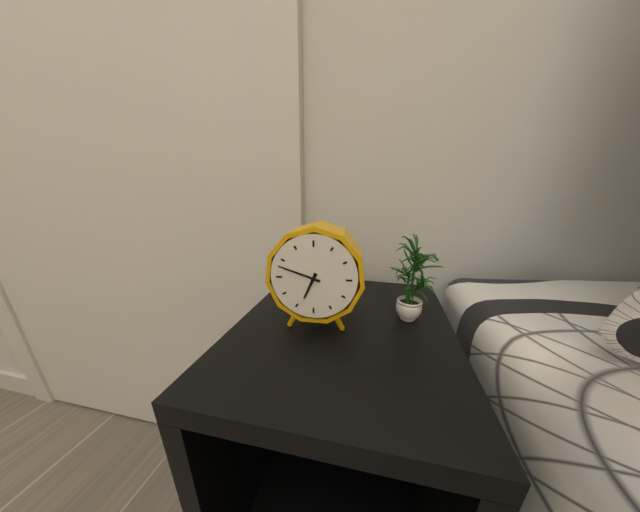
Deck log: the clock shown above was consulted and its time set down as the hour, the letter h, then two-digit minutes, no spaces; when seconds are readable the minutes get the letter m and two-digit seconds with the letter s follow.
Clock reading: 6h48
